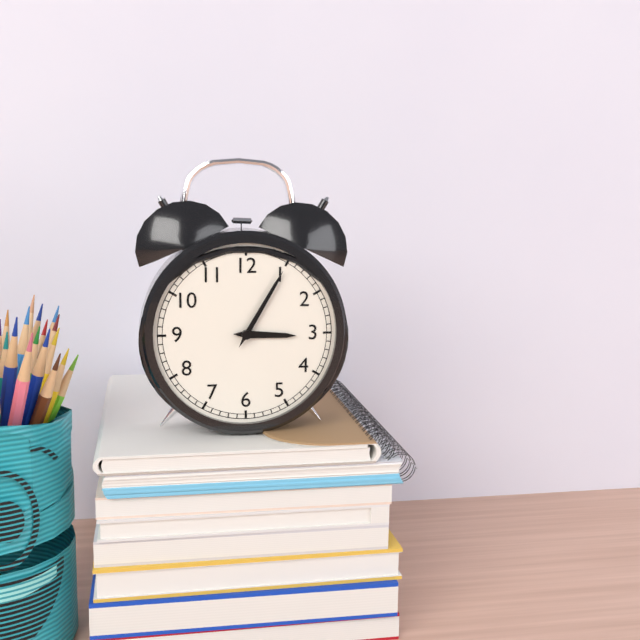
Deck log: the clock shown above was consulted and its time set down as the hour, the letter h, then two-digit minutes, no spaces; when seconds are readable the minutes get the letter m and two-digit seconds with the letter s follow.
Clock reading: 3h05
